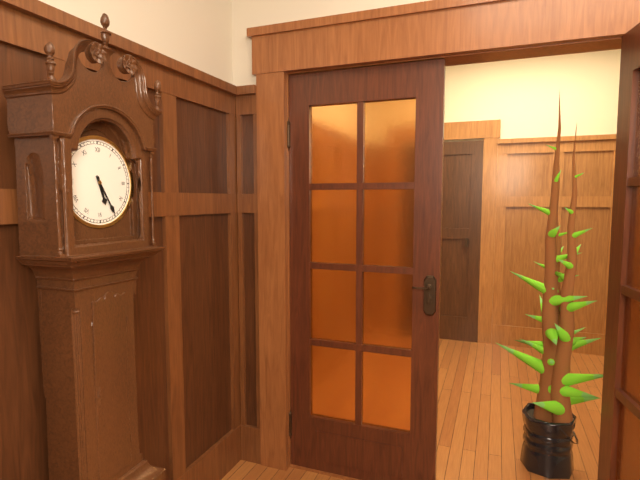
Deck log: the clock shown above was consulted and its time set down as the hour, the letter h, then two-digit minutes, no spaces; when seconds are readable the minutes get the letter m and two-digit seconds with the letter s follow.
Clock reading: 5h25
